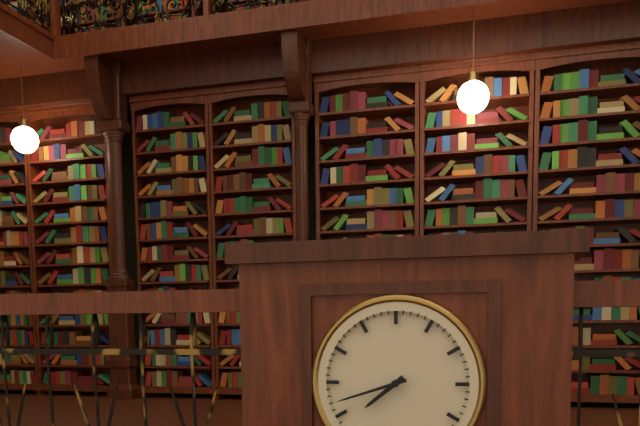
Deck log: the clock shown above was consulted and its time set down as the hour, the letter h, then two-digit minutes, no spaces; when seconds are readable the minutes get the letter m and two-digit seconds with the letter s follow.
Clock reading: 7h42
